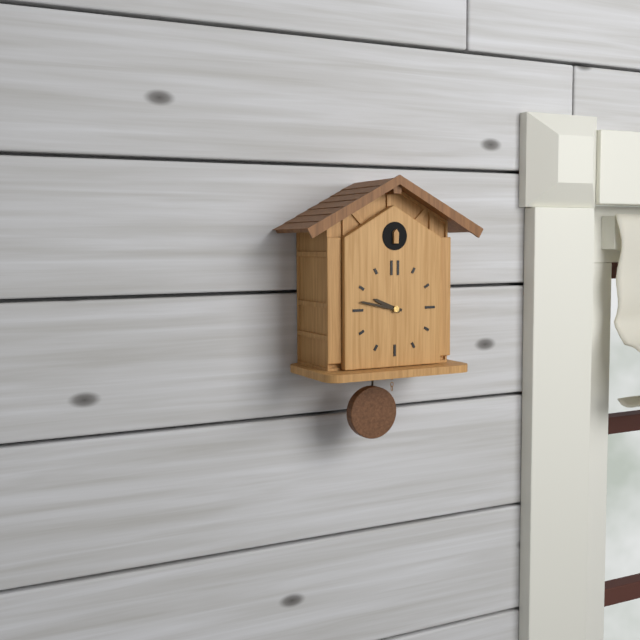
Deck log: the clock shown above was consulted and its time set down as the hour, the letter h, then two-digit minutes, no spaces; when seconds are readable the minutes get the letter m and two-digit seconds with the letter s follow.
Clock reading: 9h47
